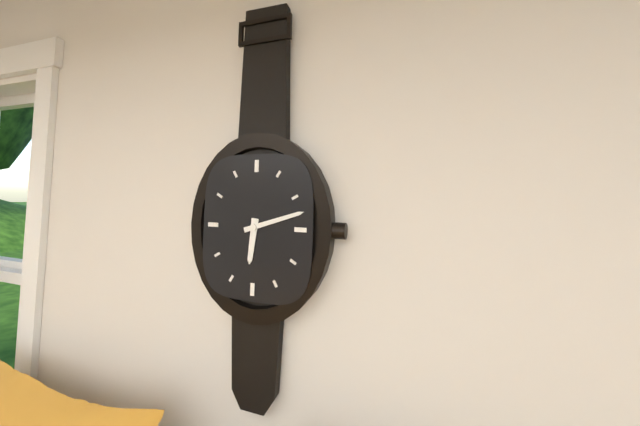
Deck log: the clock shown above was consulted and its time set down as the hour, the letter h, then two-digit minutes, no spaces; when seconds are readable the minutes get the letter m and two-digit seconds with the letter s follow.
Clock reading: 6h12
